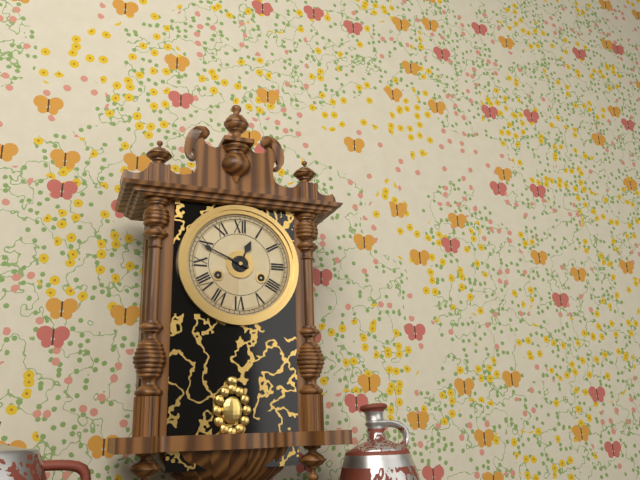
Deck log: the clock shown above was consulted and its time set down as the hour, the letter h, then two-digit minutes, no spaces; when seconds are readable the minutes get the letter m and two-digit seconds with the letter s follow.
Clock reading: 12h49
